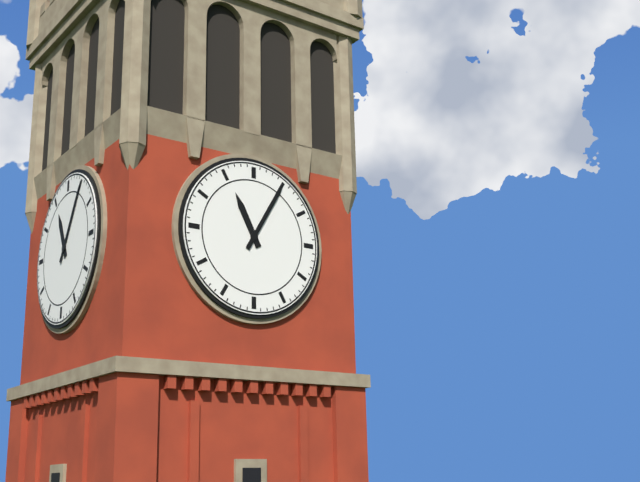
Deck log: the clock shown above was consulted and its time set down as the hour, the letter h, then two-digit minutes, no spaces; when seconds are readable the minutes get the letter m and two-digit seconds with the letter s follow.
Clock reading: 11h05
